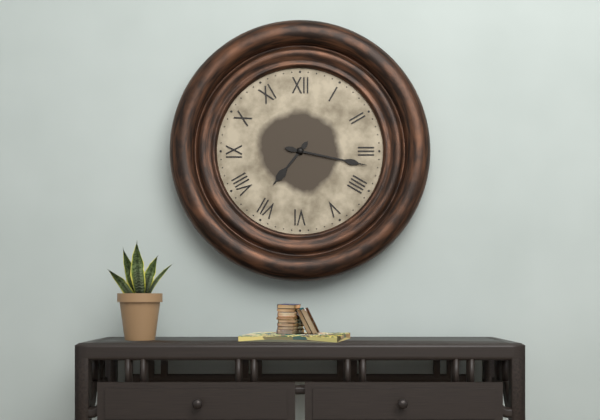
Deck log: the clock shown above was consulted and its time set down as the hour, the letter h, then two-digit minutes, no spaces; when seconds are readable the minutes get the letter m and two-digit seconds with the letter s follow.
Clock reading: 7h17
